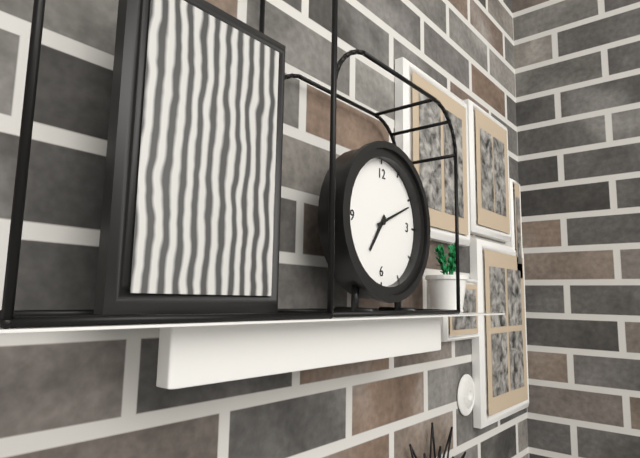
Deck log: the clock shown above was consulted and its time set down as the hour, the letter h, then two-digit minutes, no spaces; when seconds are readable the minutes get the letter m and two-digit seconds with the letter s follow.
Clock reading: 7h11
